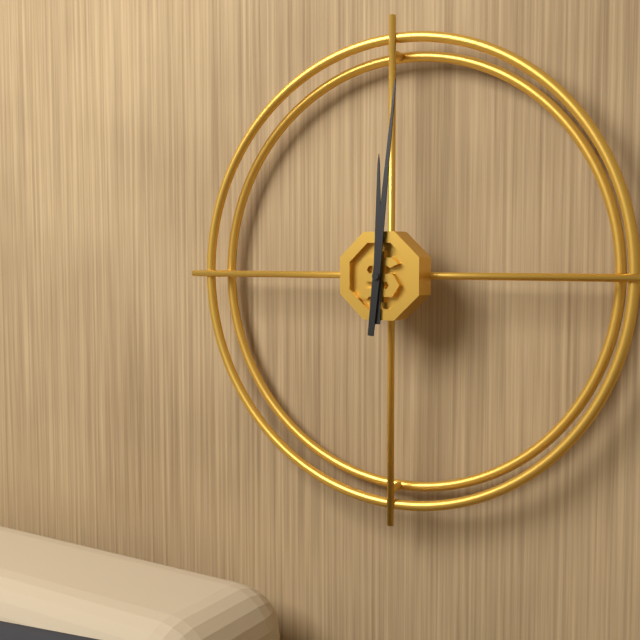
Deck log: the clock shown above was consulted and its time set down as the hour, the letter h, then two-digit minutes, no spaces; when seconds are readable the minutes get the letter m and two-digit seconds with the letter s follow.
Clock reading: 12h01
